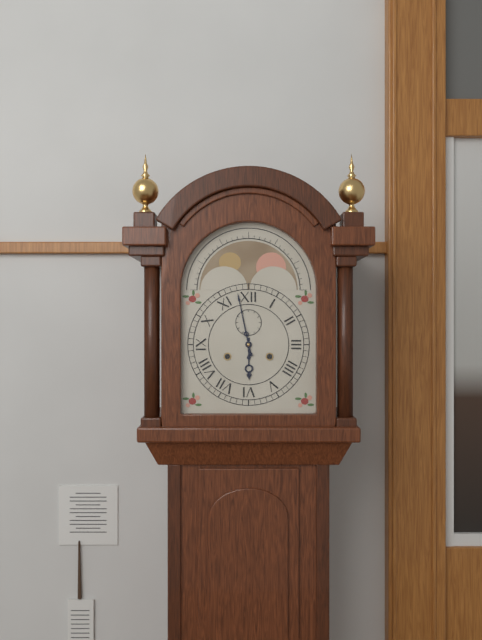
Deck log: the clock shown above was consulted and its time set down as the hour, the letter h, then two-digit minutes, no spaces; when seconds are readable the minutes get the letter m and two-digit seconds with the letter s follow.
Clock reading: 5h58
